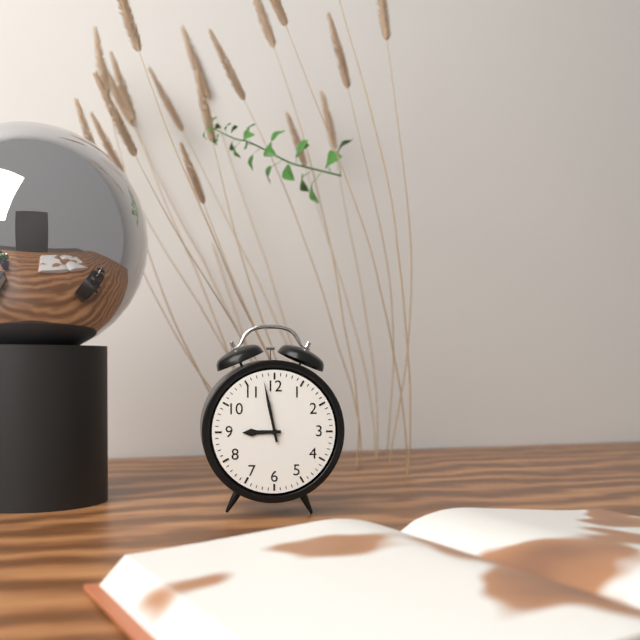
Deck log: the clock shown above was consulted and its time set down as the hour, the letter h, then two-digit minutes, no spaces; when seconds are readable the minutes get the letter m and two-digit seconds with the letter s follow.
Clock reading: 8h58
